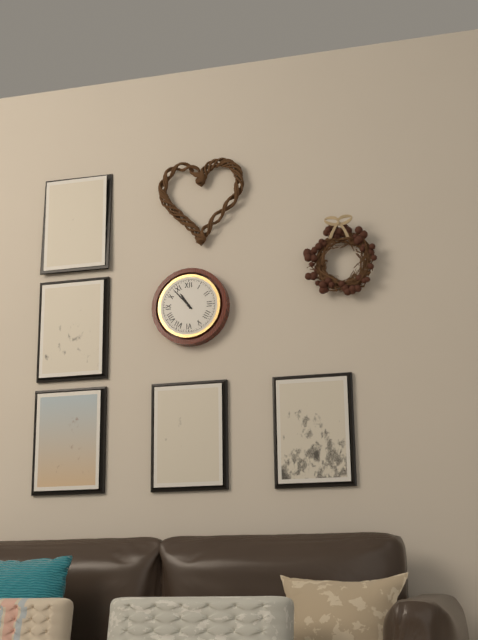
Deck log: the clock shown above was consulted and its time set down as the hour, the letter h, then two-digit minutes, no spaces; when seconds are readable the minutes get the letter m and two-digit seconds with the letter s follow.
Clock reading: 10h53
